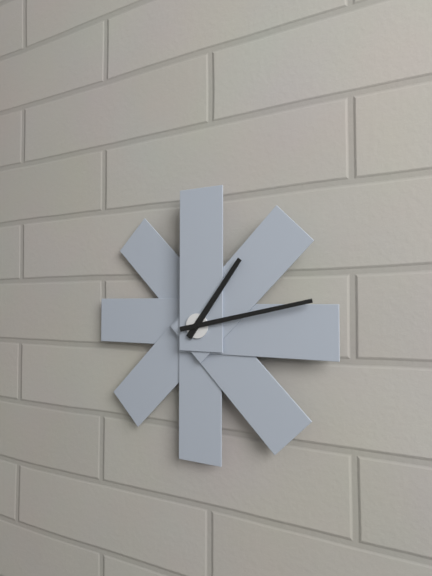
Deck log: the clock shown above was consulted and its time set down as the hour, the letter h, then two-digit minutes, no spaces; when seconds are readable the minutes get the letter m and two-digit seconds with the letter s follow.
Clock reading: 1h13
